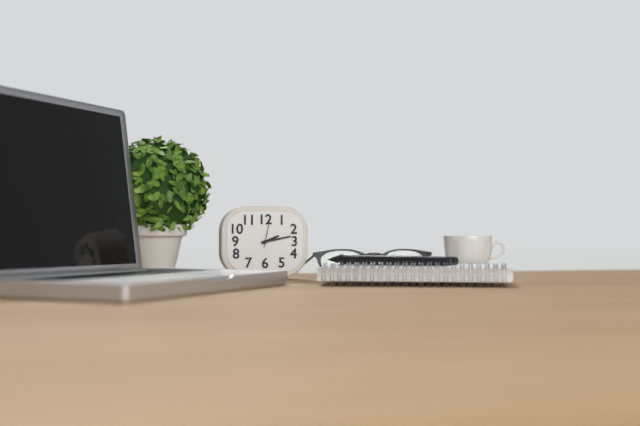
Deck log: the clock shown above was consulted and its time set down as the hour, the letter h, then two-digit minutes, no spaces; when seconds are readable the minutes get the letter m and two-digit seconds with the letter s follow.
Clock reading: 2h13
